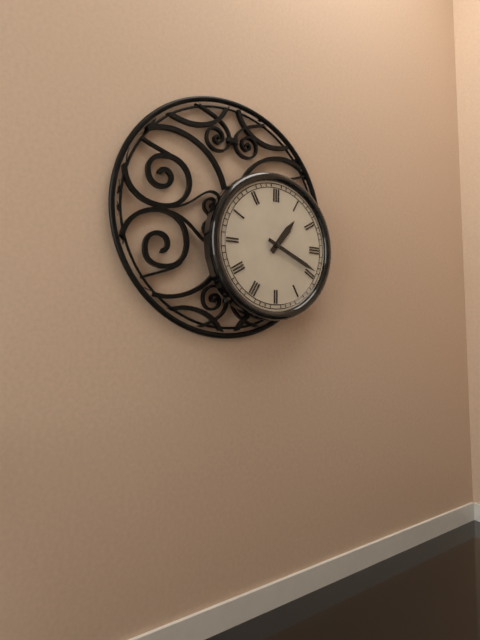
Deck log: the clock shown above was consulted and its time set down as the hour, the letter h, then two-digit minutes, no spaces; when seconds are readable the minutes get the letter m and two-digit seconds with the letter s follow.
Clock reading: 1h19
